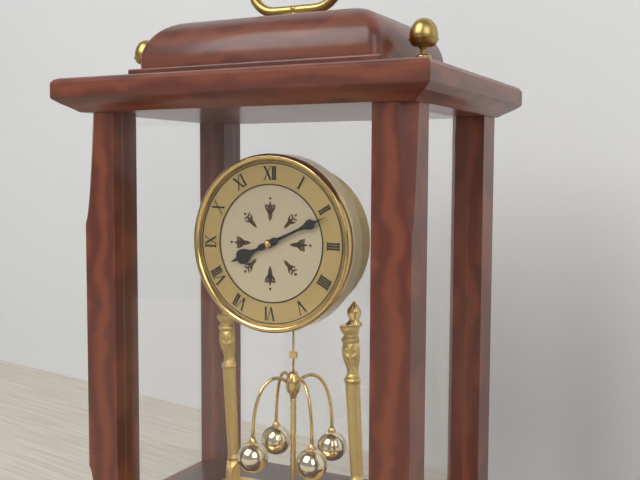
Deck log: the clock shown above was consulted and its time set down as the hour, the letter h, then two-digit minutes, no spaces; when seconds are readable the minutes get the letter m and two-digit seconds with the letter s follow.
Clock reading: 8h11
